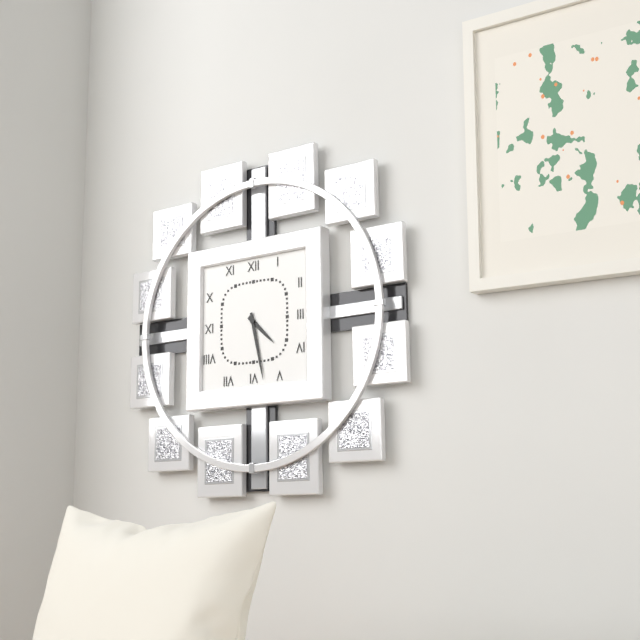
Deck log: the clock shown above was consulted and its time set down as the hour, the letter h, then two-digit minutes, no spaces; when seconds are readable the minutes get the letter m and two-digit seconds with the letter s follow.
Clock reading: 4h28
